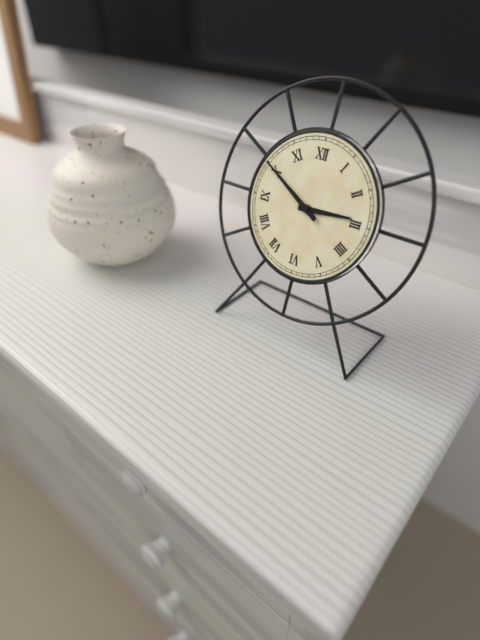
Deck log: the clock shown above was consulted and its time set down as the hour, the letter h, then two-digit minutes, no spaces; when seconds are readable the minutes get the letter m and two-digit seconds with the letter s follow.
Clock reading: 2h50
